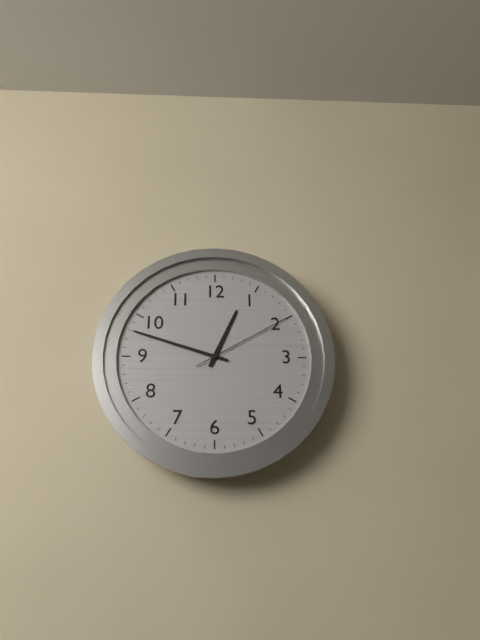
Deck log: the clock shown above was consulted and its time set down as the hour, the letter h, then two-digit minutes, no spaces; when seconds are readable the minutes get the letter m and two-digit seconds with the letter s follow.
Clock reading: 12h48m10s
